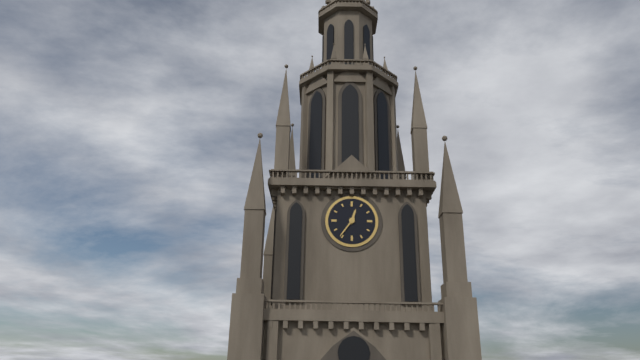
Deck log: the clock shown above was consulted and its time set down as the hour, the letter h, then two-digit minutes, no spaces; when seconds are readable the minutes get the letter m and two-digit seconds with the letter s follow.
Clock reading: 12h36
